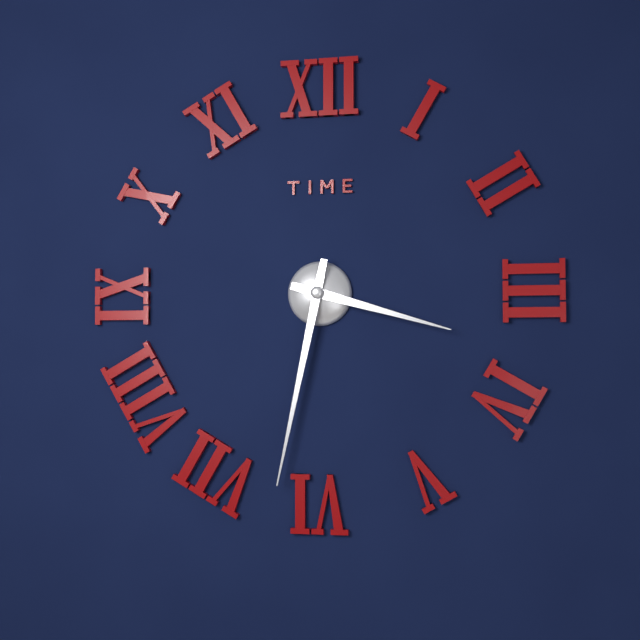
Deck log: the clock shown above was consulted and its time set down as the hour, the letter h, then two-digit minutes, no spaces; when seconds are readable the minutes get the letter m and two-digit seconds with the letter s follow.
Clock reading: 3h32
